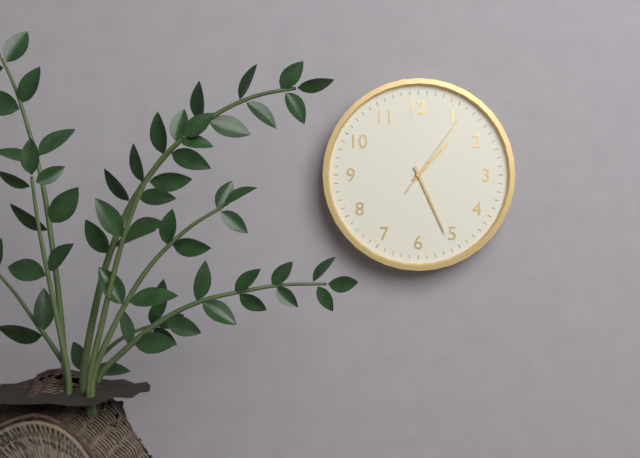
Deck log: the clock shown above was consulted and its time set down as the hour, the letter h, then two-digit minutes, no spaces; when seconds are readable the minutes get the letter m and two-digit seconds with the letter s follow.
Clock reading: 1h26m06s
